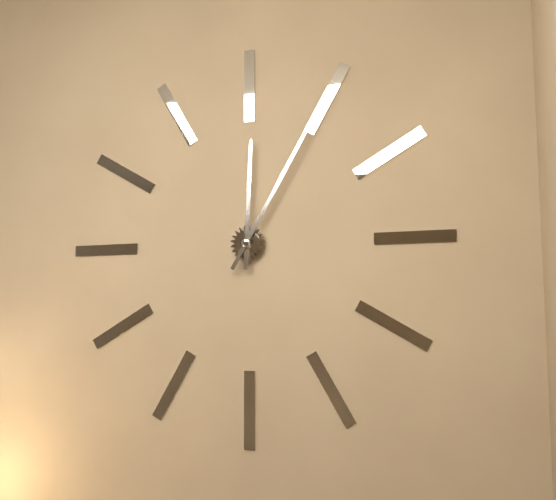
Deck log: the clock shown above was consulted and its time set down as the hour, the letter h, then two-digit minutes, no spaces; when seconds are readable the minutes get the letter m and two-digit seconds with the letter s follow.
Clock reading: 12h05
